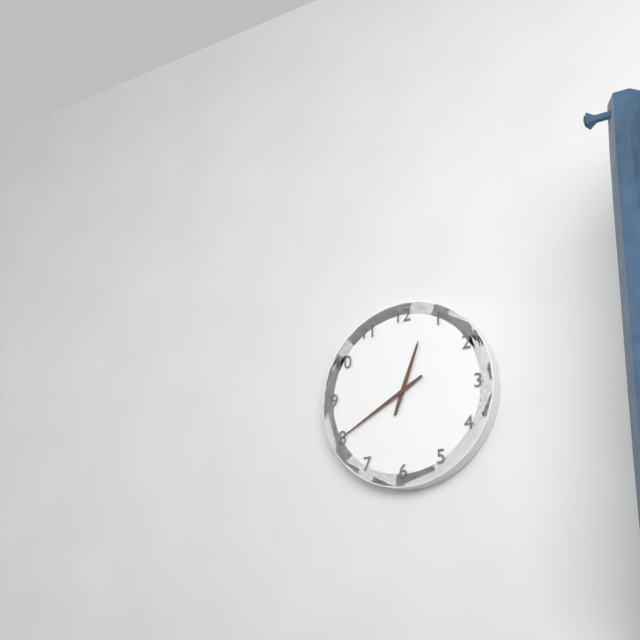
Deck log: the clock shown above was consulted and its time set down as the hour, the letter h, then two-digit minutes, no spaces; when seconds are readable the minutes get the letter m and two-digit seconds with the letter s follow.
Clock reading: 12h40
